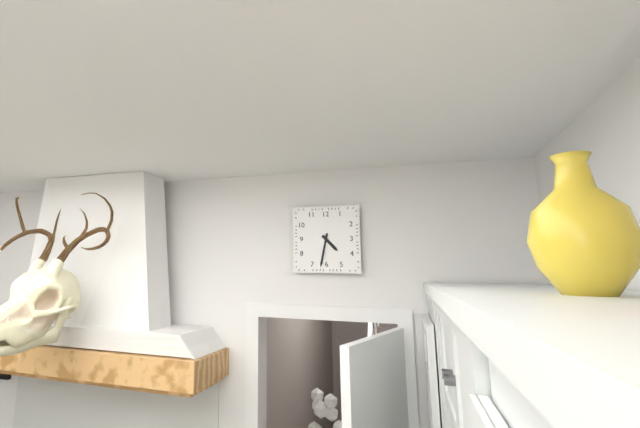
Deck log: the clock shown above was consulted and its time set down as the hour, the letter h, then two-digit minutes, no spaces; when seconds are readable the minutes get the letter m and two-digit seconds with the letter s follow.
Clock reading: 4h32
